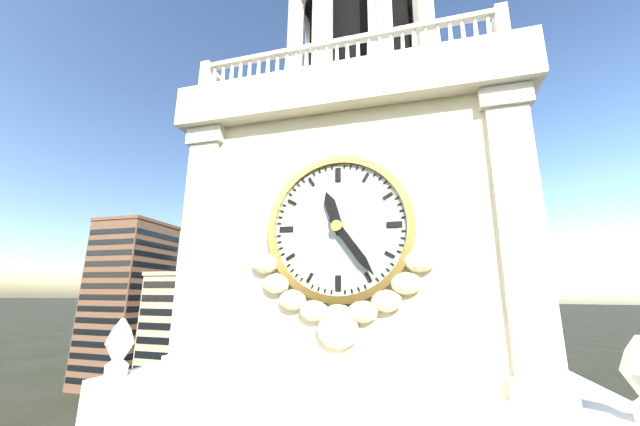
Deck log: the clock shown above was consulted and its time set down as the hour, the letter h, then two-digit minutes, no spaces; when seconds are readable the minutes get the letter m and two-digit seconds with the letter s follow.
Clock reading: 11h24
